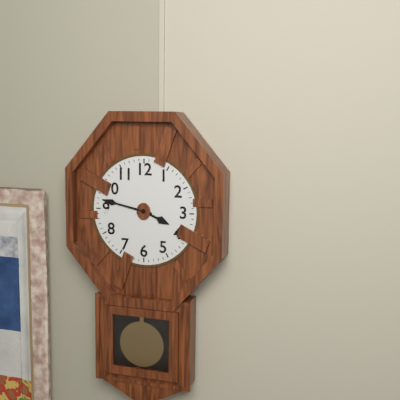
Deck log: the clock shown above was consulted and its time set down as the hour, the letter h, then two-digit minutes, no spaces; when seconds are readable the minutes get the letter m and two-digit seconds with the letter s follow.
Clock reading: 3h47
